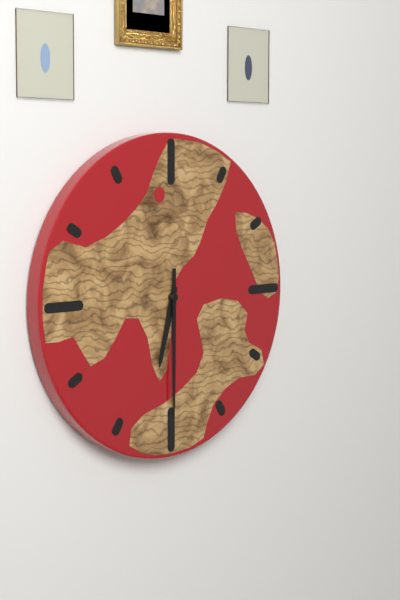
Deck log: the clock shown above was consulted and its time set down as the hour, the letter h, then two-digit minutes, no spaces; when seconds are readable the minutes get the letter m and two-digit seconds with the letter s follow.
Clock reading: 6h30
